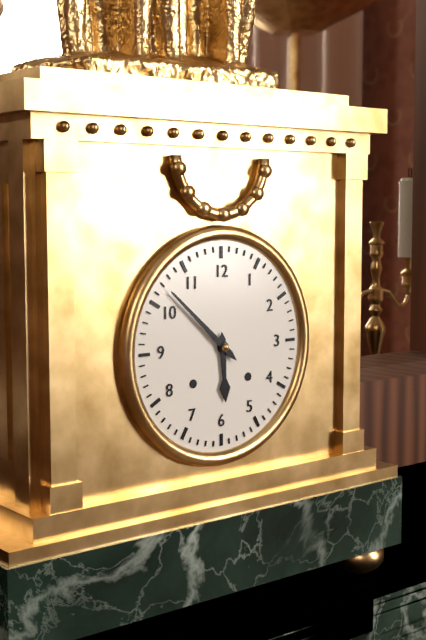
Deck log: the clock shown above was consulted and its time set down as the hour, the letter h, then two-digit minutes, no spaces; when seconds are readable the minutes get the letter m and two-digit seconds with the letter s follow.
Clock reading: 5h52
